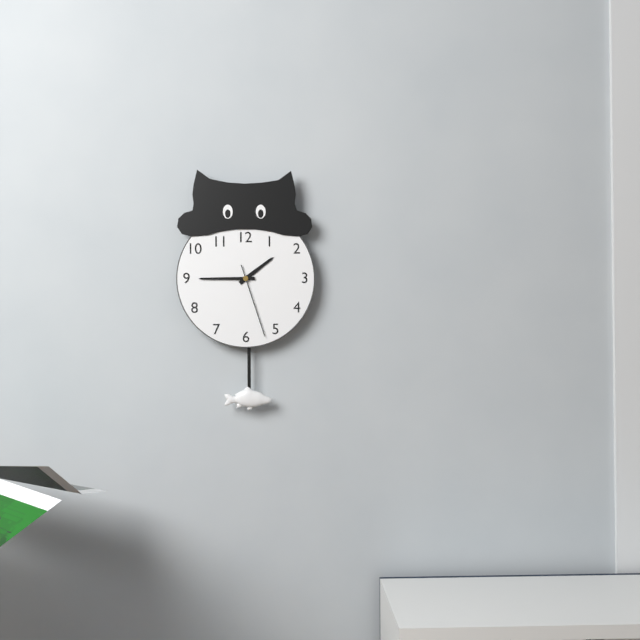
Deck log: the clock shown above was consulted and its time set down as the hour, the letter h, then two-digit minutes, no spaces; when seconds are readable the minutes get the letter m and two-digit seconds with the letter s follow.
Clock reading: 1h45m27s
